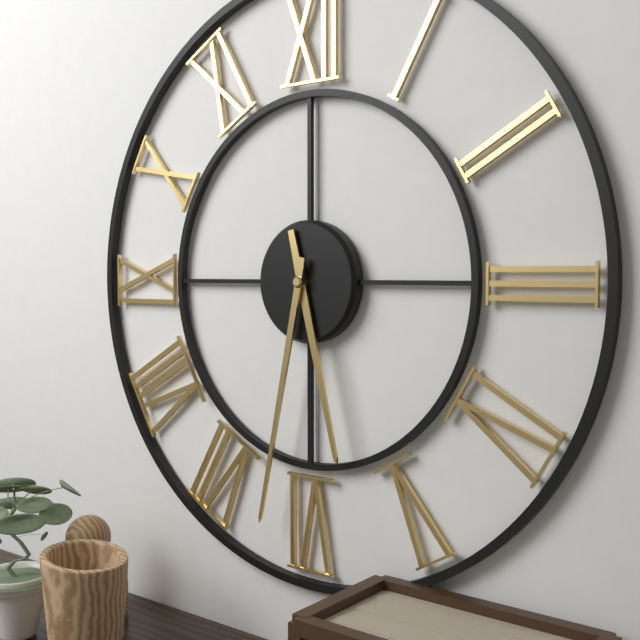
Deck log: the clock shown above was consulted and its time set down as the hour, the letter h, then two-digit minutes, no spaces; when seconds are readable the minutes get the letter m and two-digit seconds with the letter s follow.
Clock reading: 5h32
